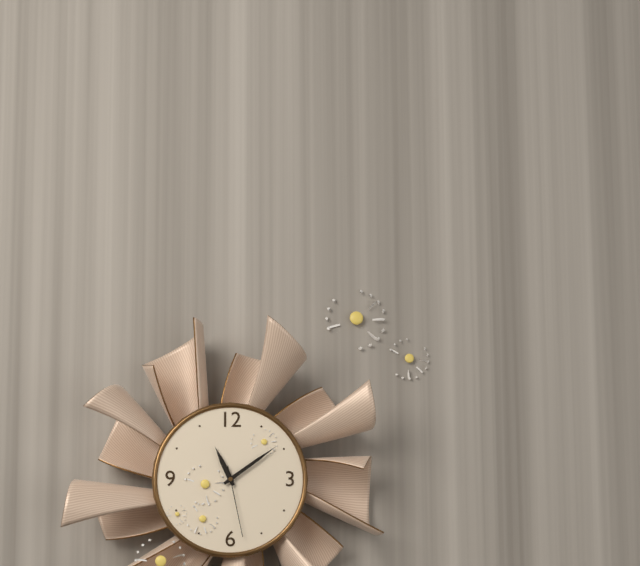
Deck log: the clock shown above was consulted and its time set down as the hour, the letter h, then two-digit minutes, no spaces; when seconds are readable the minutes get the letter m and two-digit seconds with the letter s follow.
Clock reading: 11h09m28s
